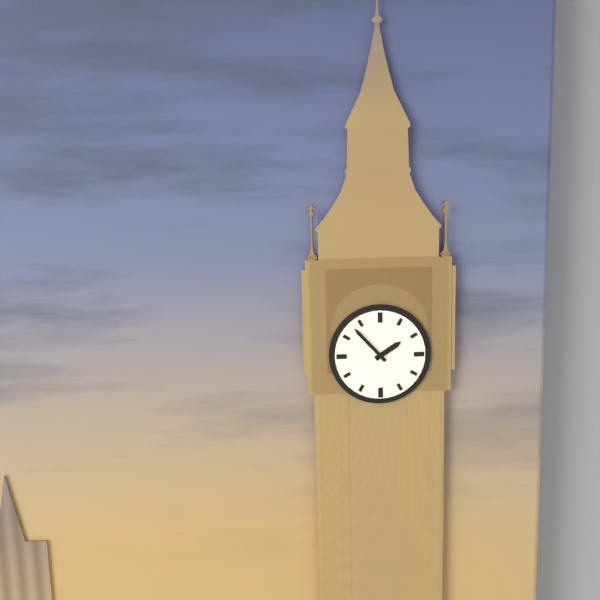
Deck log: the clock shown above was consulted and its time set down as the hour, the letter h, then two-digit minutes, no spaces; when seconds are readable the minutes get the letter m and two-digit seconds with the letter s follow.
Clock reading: 1h53
